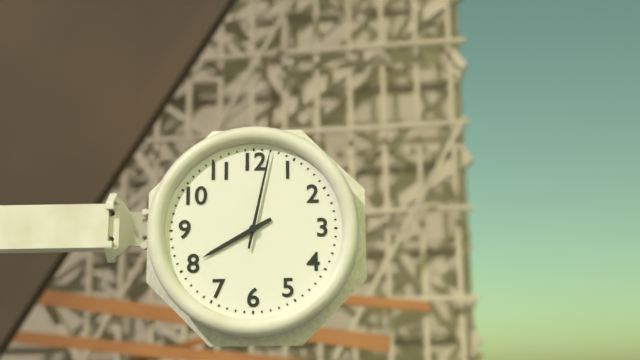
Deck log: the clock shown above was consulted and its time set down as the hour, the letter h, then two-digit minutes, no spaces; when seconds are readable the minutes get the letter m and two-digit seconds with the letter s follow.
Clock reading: 8h02
